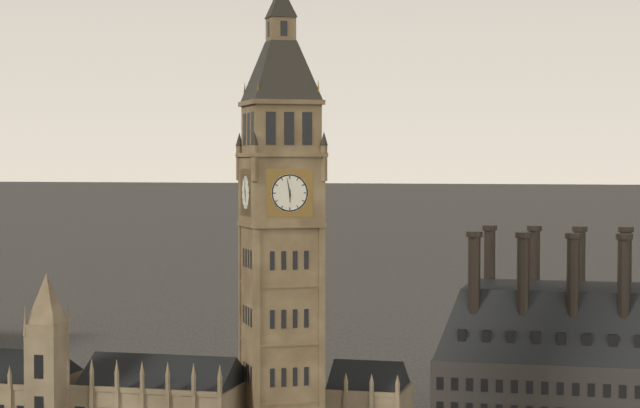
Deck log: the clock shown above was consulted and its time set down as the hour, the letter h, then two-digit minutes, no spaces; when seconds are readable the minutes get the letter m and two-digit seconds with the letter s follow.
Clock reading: 5h58
